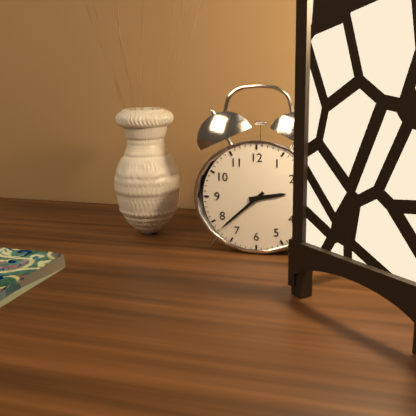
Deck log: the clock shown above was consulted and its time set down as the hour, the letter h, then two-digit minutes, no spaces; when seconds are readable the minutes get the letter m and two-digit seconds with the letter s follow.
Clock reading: 2h38
